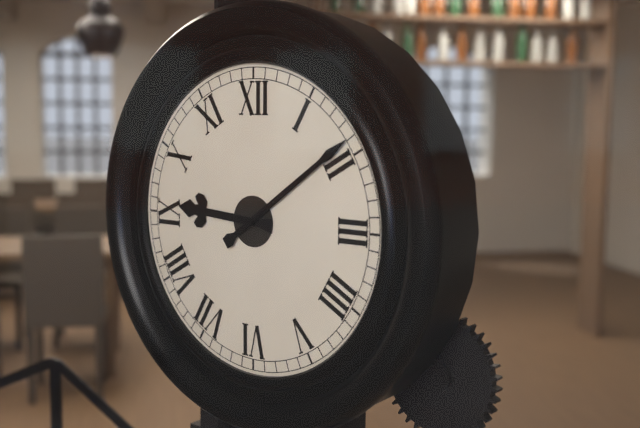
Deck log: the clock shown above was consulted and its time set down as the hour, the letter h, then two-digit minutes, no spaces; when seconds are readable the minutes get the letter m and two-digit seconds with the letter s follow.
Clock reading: 9h09
